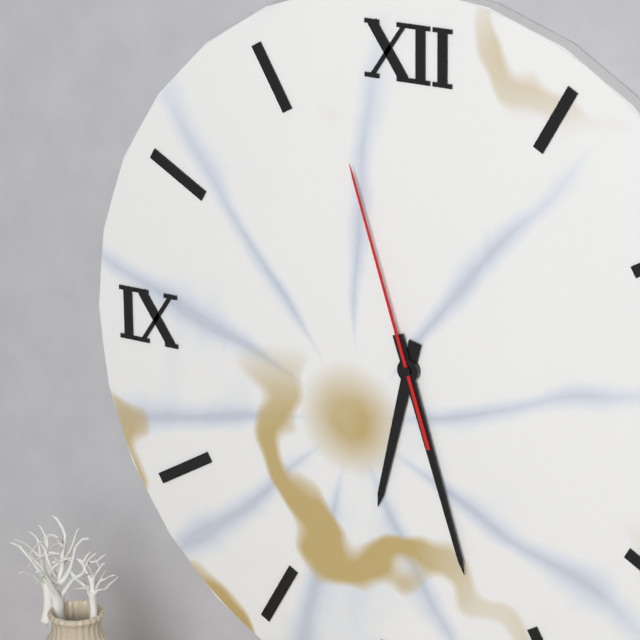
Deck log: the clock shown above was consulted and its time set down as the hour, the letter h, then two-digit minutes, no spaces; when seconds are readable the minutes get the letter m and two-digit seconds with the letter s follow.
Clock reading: 6h27m57s
